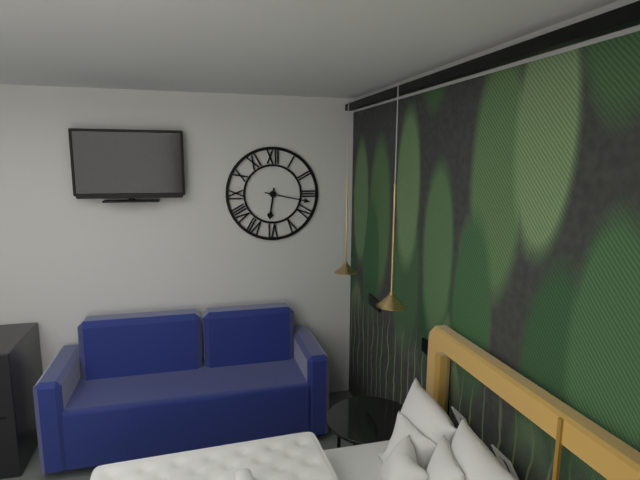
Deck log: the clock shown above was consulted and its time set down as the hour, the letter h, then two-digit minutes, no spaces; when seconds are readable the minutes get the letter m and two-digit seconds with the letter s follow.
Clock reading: 6h17
